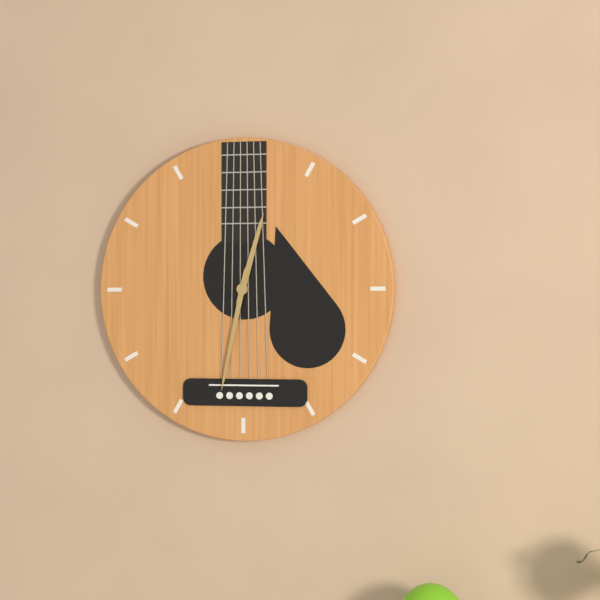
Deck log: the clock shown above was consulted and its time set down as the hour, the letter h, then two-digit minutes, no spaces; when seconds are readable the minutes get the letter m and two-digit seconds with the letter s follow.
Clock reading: 12h32
